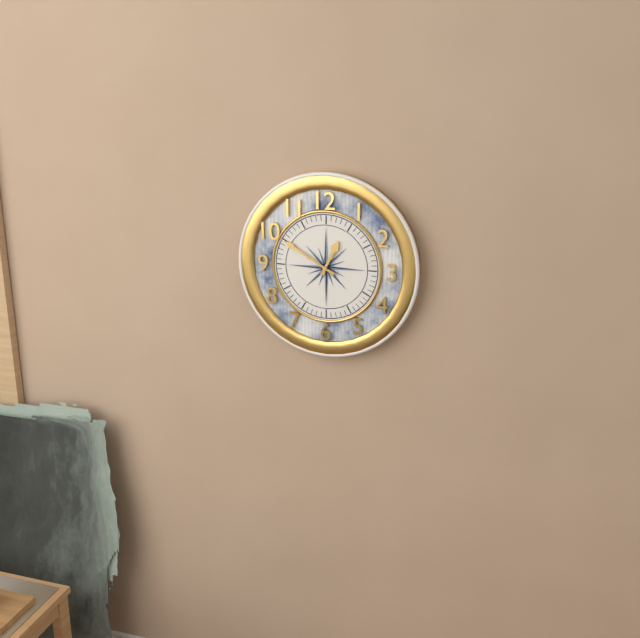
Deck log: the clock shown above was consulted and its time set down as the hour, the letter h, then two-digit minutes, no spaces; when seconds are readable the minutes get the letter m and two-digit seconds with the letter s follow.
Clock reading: 12h50
